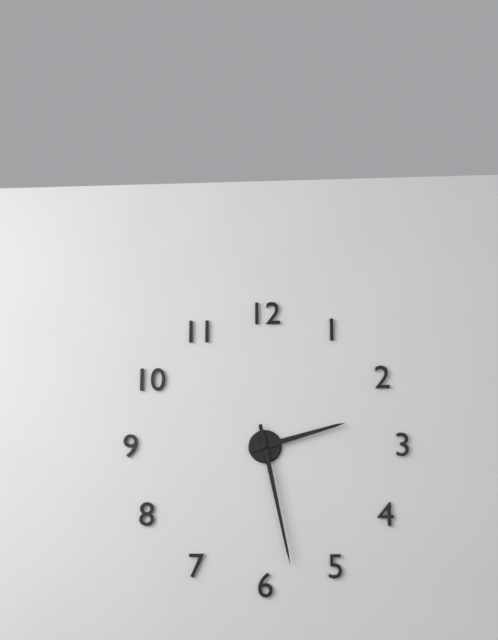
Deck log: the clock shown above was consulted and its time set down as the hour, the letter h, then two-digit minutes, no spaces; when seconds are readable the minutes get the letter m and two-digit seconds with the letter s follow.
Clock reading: 2h28
